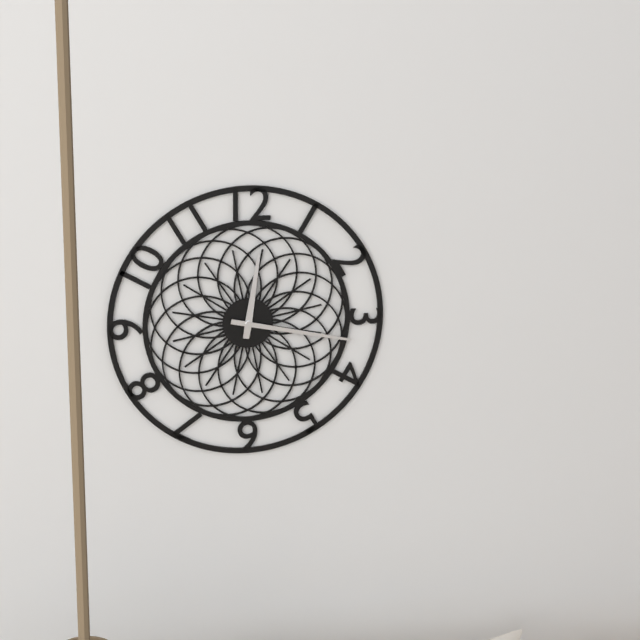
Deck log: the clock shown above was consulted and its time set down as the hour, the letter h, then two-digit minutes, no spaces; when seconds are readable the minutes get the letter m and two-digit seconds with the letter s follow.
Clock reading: 12h17
